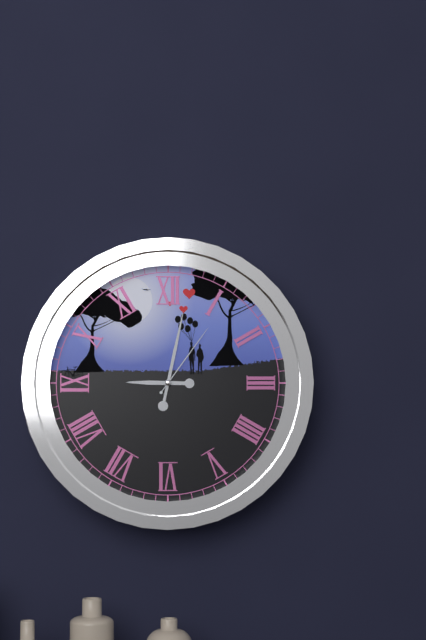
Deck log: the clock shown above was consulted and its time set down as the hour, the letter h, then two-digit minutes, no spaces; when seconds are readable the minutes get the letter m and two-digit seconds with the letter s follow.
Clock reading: 9h02m06s
